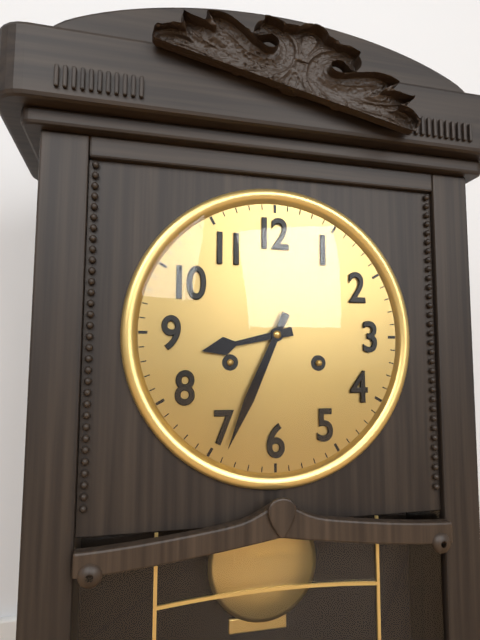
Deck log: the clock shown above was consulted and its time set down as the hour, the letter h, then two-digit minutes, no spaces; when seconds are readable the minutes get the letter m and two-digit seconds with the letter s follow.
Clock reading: 8h34
